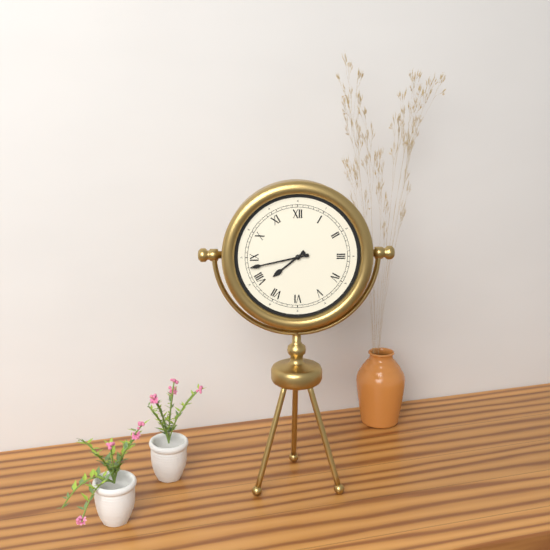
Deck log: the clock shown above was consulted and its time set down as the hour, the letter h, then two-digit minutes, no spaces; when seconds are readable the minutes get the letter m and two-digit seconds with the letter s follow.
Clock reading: 7h43
